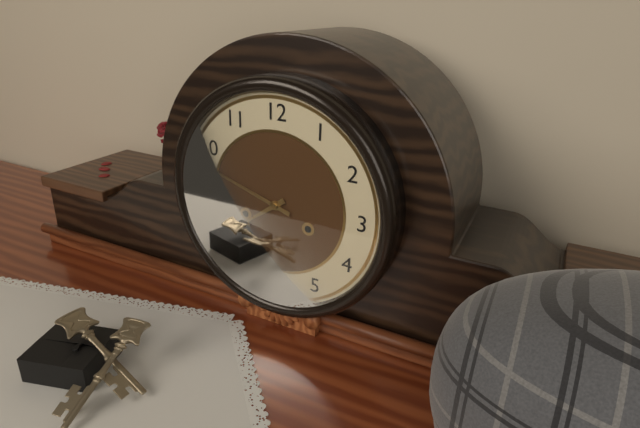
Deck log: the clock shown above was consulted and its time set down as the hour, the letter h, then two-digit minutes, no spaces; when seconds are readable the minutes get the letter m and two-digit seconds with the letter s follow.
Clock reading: 7h48
